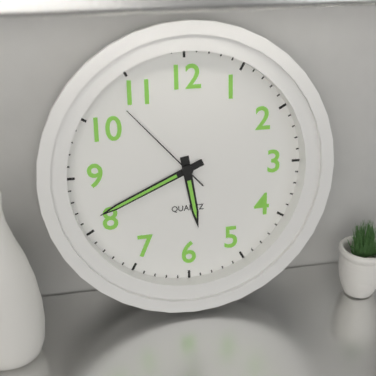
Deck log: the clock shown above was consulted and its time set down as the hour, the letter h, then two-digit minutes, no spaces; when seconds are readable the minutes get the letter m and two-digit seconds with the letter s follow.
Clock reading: 5h41m53s
